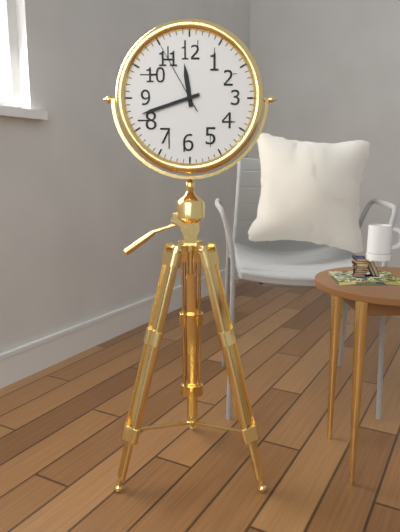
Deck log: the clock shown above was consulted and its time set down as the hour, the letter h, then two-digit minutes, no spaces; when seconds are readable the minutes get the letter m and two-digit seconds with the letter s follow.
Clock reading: 11h42m55s
